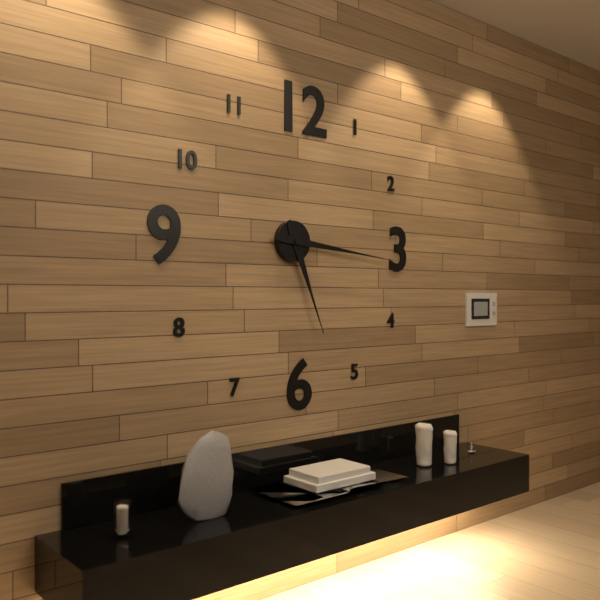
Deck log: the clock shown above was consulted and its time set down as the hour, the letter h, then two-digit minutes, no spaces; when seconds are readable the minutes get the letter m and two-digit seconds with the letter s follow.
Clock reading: 5h16
